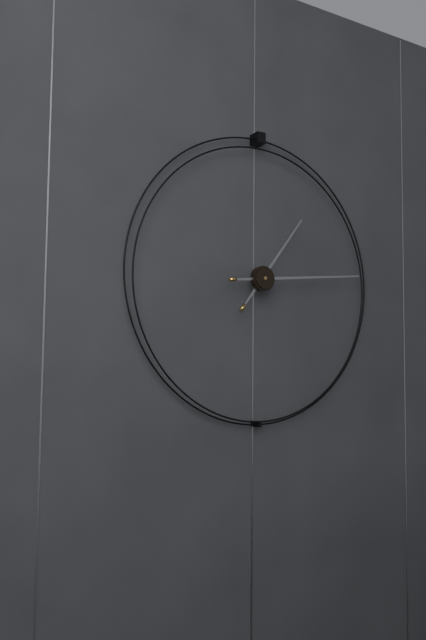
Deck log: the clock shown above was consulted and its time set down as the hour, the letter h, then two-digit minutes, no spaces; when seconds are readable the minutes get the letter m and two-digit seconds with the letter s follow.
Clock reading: 1h14
